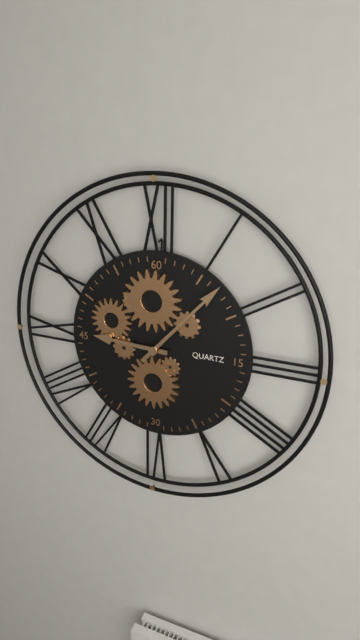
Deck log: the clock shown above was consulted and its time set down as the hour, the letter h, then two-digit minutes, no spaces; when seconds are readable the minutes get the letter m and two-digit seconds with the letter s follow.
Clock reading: 9h07
